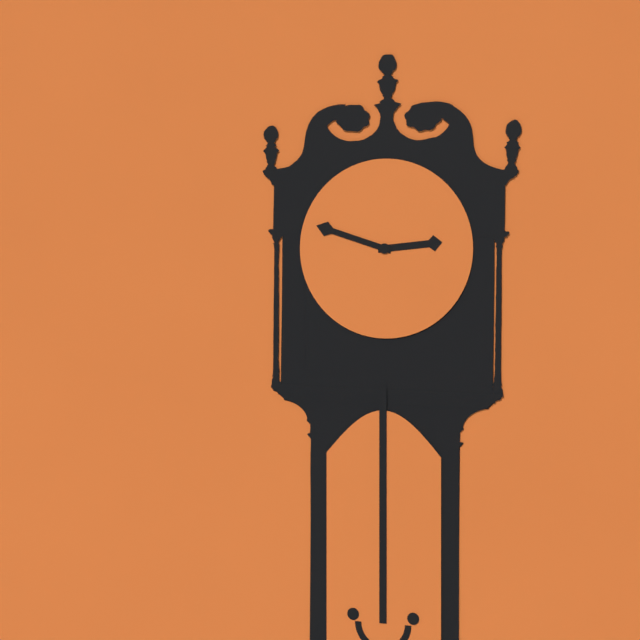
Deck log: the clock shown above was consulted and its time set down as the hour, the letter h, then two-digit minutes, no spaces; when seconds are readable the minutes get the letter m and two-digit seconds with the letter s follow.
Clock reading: 2h48
